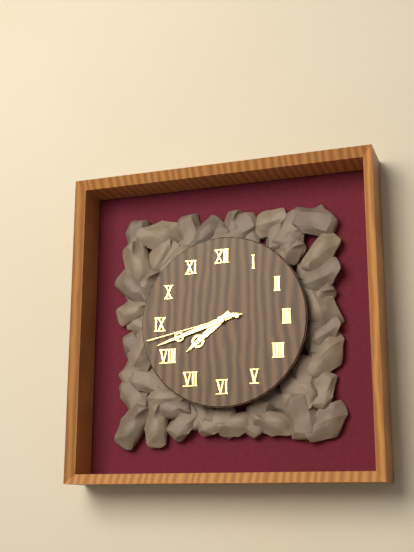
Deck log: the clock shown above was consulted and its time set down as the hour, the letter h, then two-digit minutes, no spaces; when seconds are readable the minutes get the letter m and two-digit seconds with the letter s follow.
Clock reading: 7h42m43s
